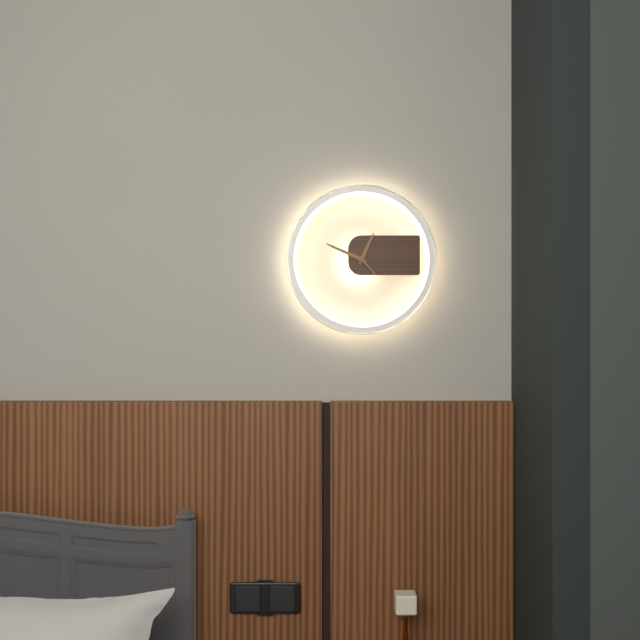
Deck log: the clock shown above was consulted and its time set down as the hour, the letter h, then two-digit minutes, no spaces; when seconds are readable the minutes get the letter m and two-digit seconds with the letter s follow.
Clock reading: 12h49
